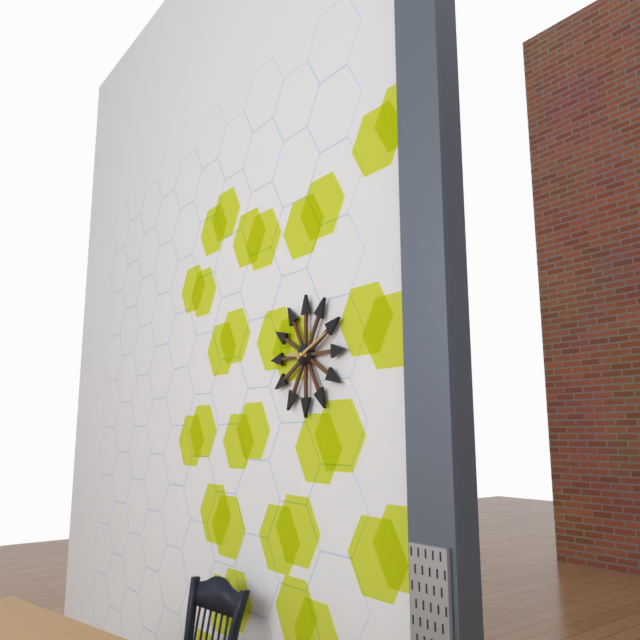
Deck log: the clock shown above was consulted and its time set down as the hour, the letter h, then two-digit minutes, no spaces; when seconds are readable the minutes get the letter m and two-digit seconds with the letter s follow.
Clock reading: 9h11
